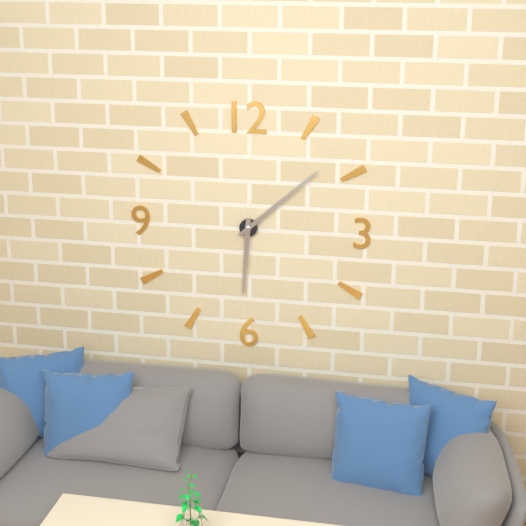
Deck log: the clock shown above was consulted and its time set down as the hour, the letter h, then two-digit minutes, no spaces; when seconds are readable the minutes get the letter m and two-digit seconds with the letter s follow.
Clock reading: 6h08
